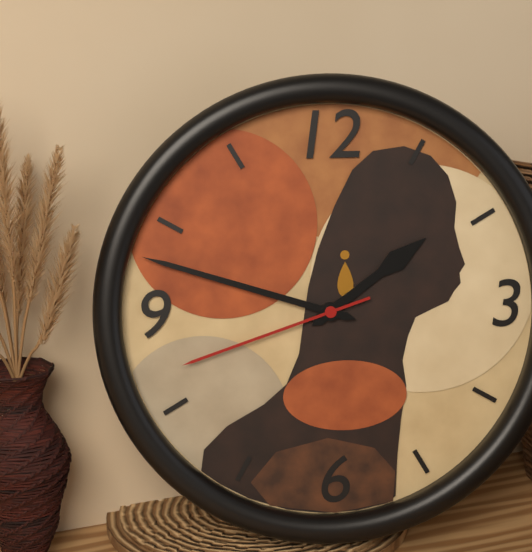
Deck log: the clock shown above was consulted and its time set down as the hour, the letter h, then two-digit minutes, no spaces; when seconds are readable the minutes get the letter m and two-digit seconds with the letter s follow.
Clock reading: 1h48m42s
